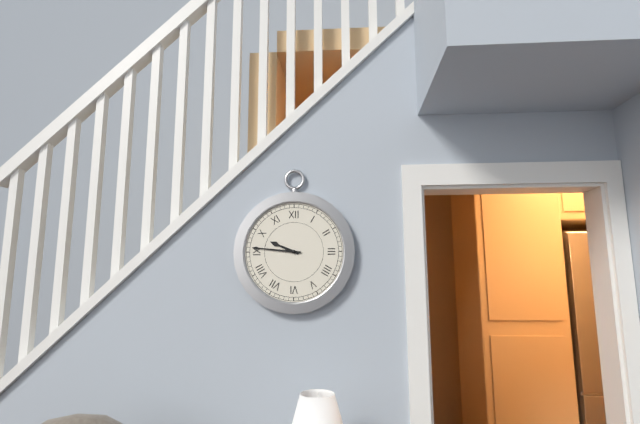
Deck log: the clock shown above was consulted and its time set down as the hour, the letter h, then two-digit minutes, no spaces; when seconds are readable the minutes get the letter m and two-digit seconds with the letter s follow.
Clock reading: 9h46
